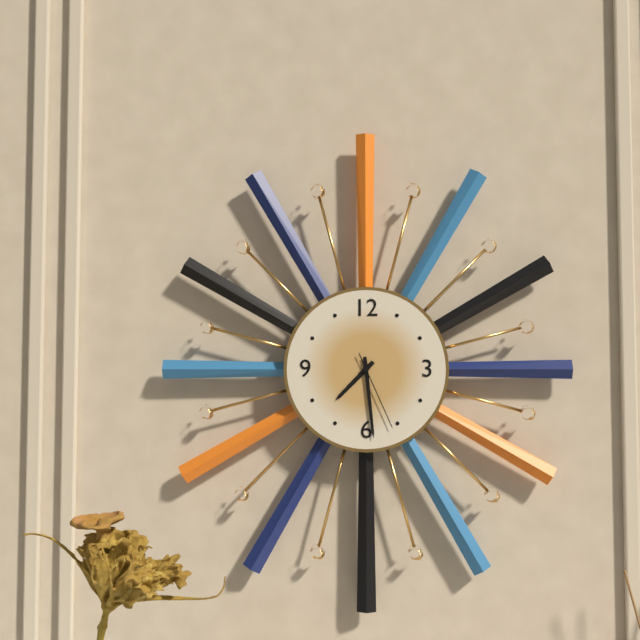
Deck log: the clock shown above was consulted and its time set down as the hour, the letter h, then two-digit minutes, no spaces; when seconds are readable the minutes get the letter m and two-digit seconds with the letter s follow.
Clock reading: 7h29m26s
